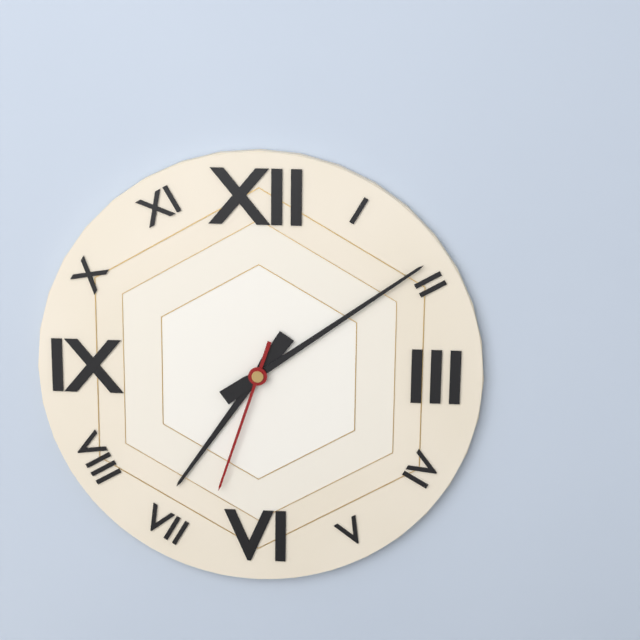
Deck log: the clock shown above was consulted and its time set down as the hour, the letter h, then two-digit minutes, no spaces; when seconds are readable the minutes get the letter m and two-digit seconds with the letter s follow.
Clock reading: 7h09m33s
